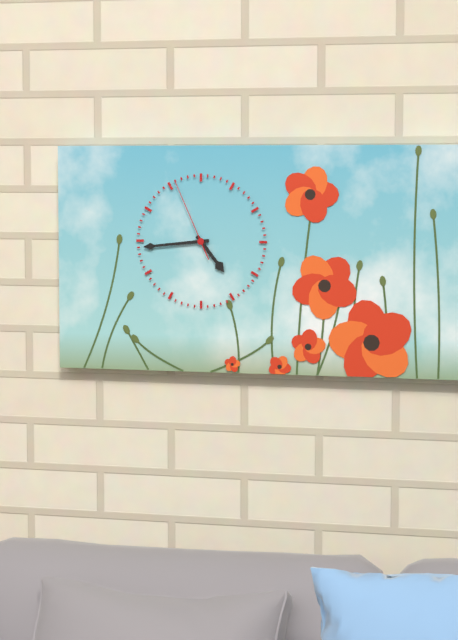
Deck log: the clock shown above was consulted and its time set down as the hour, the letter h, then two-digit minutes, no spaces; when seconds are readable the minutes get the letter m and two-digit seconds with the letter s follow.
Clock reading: 4h44m56s
